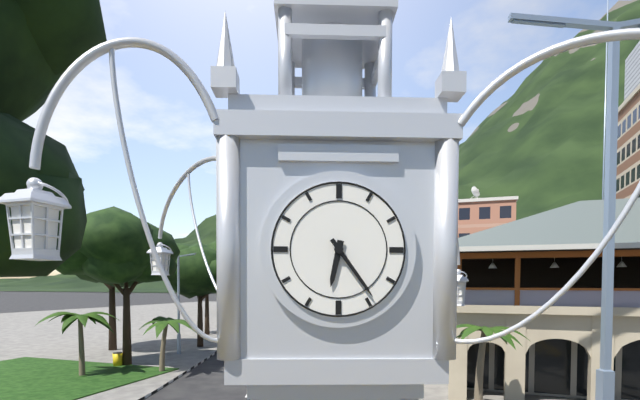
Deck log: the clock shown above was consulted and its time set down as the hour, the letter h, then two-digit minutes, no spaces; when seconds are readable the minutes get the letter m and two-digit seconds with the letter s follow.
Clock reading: 6h24
